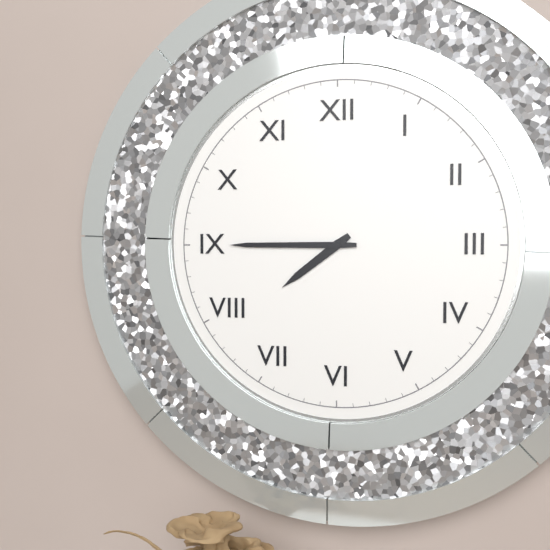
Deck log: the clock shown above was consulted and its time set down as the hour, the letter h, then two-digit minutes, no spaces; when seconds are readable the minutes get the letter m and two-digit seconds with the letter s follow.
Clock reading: 7h45
